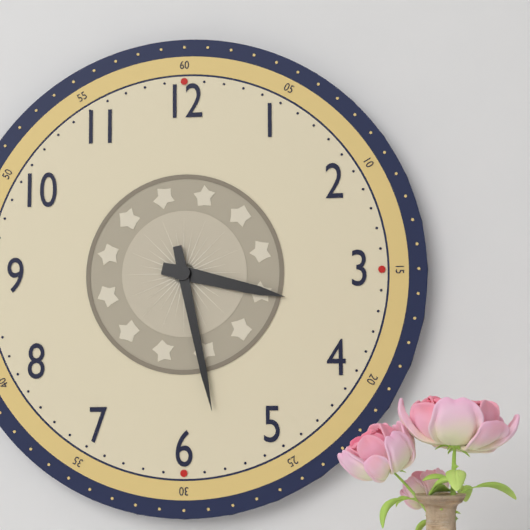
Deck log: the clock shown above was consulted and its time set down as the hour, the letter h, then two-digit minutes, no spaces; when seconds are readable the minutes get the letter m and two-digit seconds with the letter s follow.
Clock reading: 3h28
